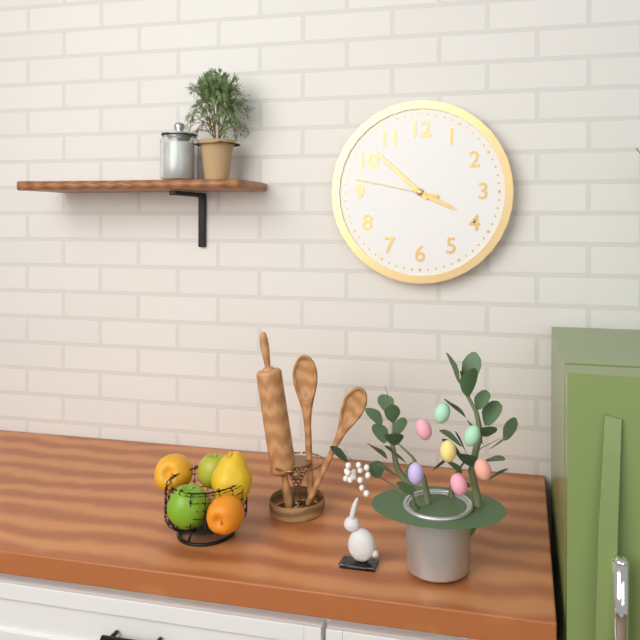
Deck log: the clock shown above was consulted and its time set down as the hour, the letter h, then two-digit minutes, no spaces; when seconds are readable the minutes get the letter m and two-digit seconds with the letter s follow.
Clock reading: 3h52m47s
